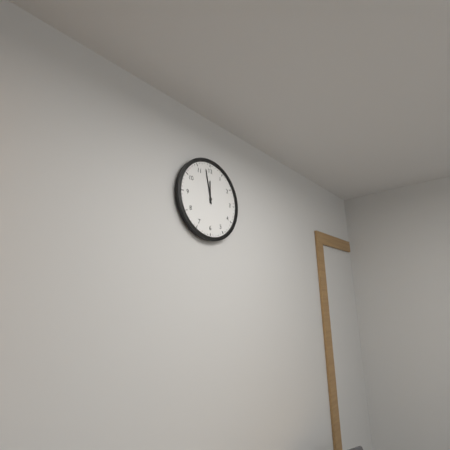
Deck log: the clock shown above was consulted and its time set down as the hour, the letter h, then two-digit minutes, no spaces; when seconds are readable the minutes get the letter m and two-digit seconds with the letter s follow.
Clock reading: 11h58
